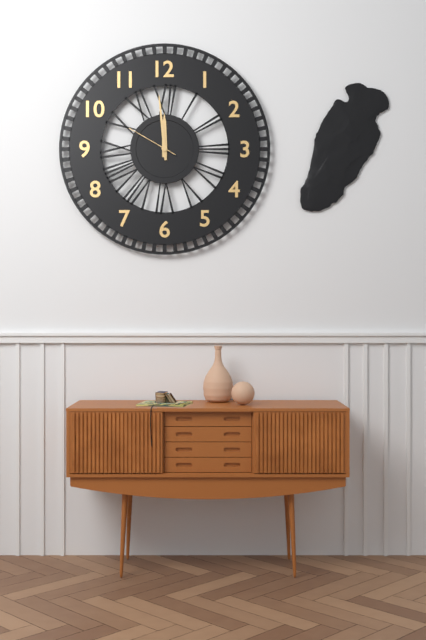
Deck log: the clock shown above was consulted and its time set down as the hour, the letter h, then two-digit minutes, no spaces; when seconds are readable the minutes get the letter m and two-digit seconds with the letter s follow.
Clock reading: 11h59m50s
